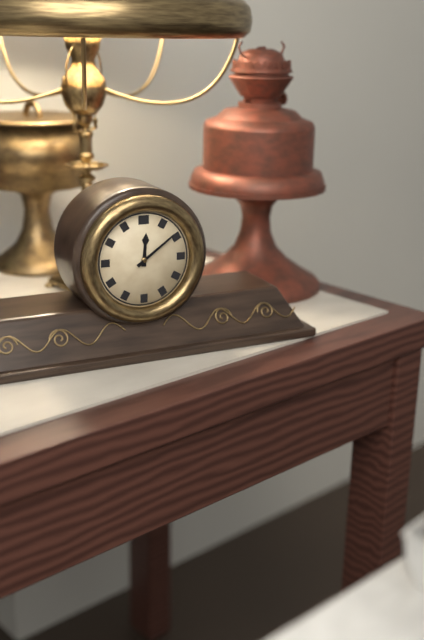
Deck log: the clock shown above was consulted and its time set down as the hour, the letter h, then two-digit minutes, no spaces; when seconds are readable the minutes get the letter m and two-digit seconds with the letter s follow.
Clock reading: 12h09
